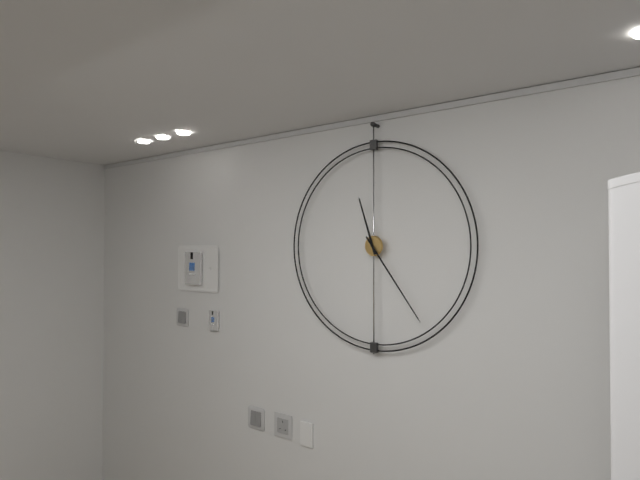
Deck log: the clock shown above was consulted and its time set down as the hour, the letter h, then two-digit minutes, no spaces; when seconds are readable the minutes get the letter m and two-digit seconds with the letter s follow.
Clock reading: 11h24
